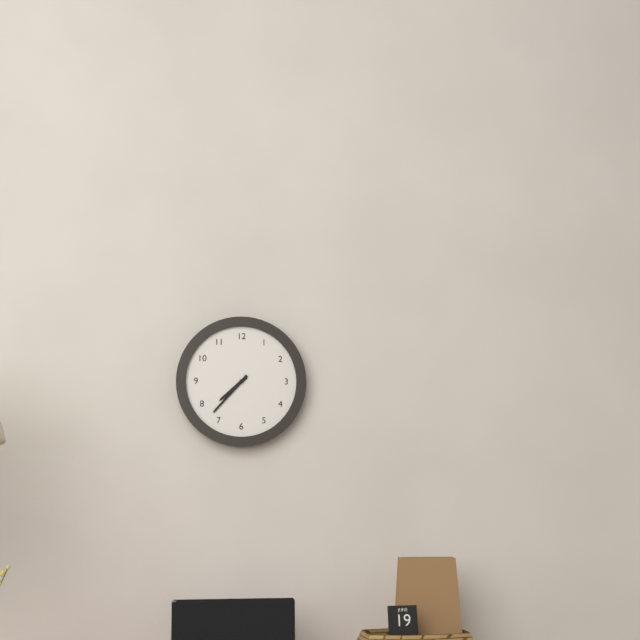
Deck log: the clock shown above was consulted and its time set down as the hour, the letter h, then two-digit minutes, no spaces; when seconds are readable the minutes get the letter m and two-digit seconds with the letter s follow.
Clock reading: 7h37
